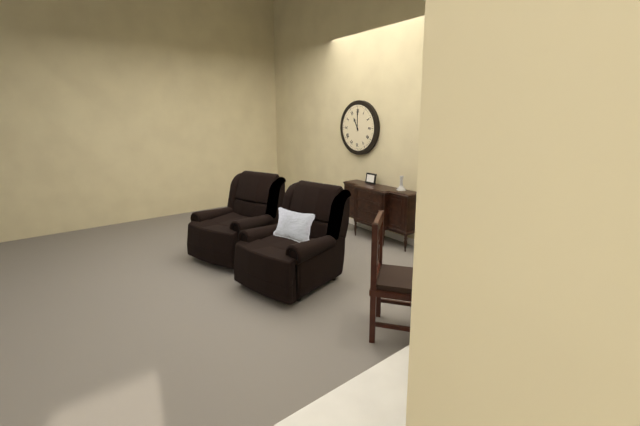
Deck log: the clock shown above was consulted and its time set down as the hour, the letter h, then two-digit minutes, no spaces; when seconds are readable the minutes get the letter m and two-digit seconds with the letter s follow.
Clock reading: 11h00
